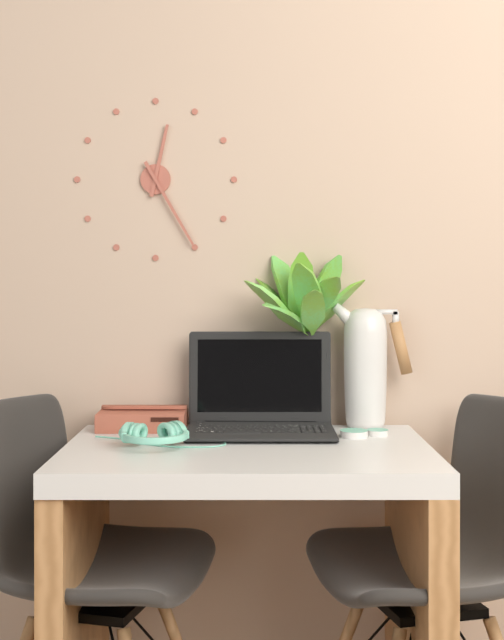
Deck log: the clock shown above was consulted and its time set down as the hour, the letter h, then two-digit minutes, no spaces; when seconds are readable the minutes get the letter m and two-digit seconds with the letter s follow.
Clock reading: 12h25
